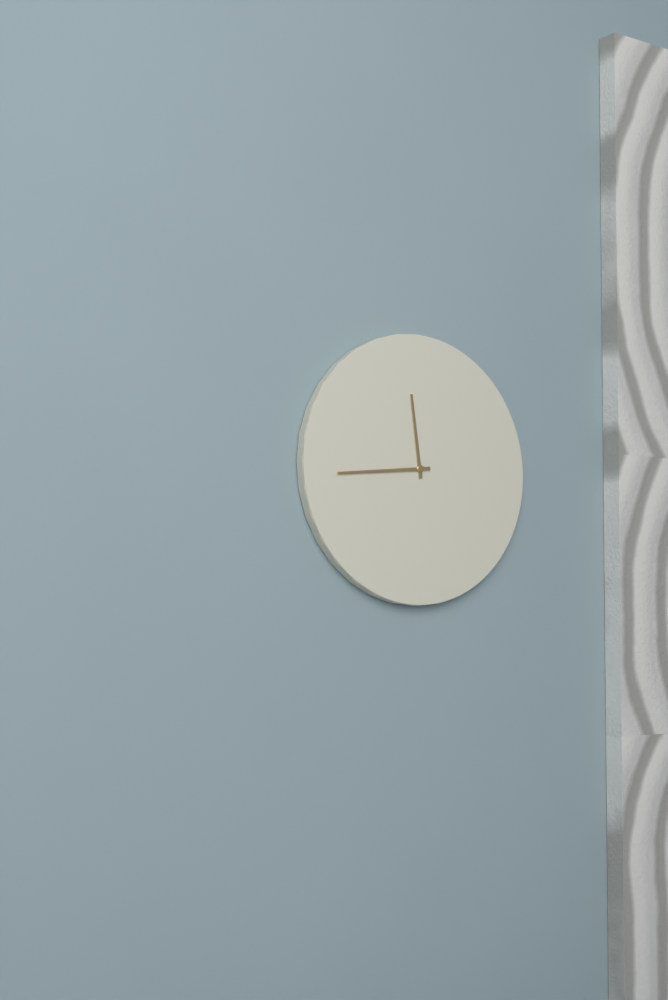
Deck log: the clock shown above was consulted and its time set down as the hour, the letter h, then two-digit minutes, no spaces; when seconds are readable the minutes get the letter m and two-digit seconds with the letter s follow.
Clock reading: 11h44
